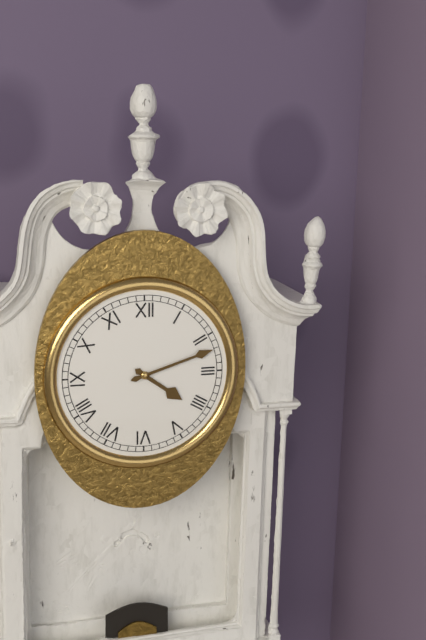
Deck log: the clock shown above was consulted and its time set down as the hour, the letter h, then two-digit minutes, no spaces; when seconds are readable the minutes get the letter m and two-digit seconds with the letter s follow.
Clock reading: 4h12
